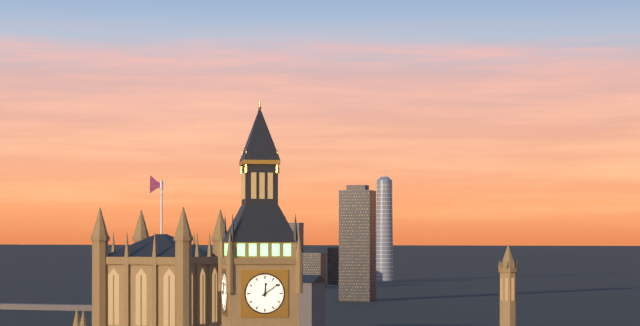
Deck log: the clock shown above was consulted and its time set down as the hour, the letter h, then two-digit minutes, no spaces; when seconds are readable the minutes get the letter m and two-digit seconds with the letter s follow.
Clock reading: 12h09
